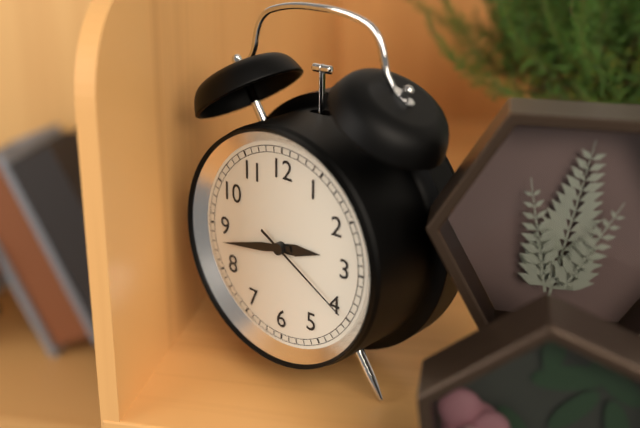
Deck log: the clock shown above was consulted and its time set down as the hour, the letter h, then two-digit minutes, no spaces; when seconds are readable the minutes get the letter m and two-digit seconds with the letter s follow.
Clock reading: 2h43m20s
